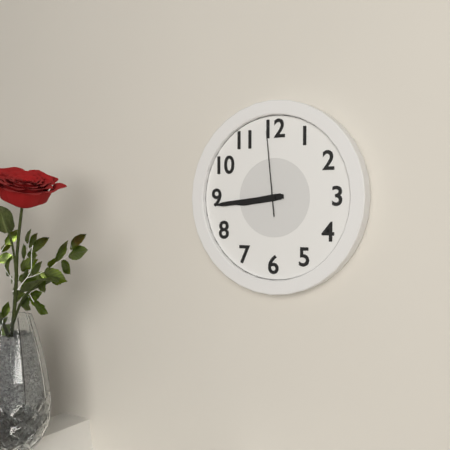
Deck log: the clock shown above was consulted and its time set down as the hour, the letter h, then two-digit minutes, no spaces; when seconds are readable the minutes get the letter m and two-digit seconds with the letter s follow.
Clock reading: 8h44m59s
